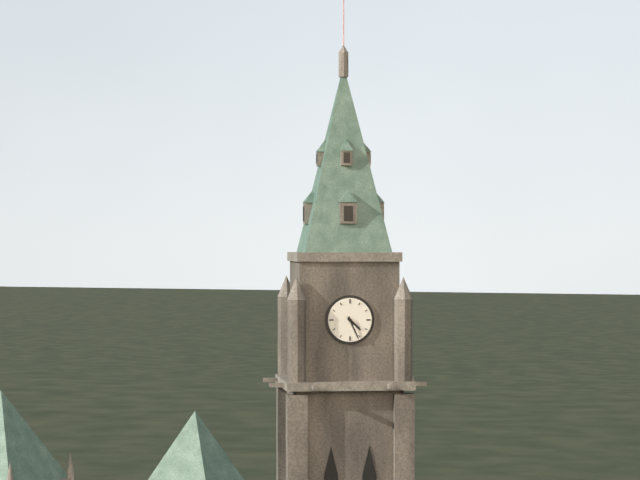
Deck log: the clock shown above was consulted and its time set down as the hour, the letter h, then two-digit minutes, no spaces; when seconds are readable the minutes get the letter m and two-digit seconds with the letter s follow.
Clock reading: 4h26
